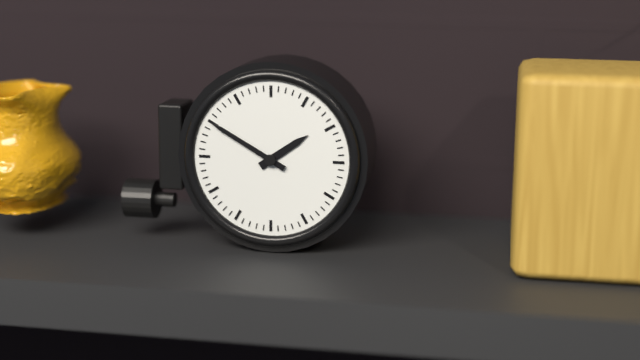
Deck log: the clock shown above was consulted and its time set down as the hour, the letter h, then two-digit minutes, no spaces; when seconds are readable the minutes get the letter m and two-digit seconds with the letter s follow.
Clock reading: 1h50
